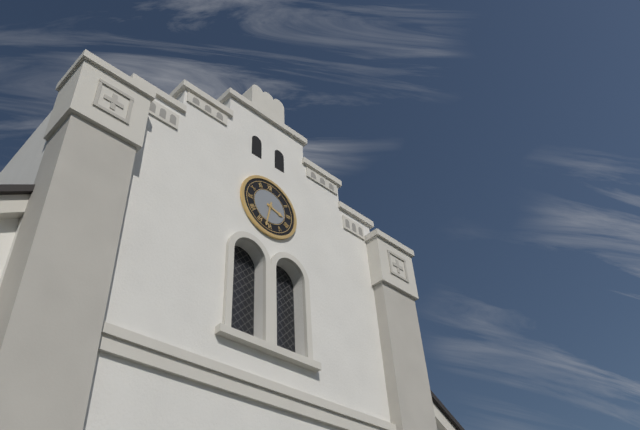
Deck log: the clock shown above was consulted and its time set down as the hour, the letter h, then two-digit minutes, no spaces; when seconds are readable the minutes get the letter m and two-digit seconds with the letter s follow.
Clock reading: 3h32
